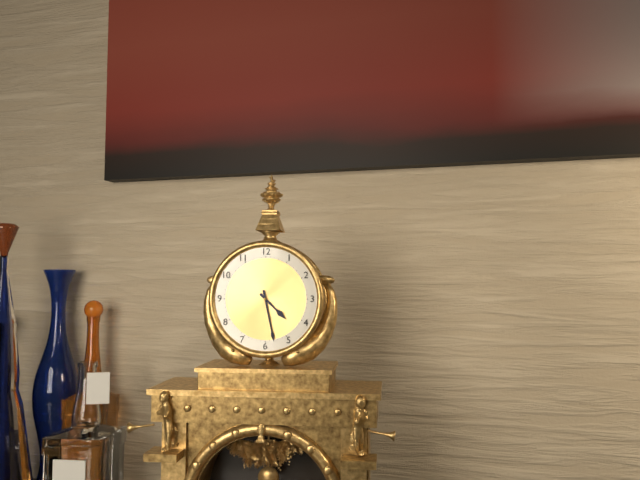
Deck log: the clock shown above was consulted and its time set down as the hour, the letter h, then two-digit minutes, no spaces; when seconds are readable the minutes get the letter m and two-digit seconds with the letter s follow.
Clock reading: 4h28
